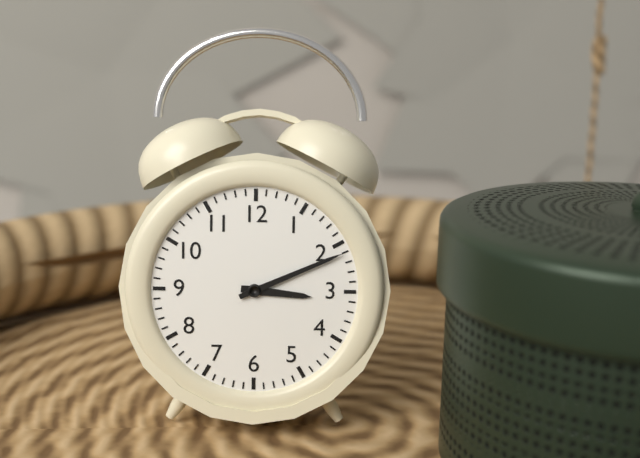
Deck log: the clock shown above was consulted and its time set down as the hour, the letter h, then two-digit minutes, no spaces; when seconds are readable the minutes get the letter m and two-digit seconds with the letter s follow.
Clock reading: 3h11
